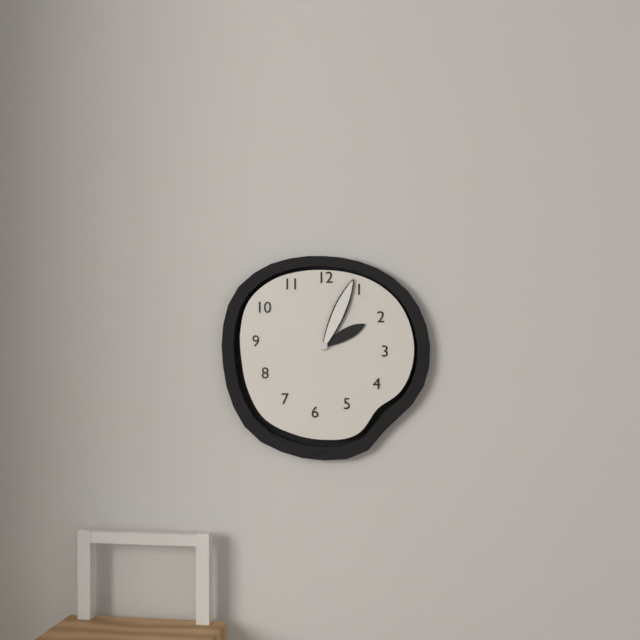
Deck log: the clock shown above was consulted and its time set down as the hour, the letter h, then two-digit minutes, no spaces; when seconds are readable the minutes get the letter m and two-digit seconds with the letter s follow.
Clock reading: 2h04
